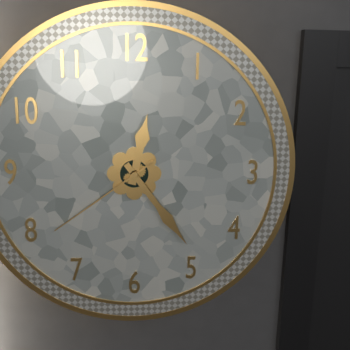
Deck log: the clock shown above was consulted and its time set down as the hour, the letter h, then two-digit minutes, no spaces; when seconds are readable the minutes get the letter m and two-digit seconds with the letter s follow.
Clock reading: 12h24m39s
